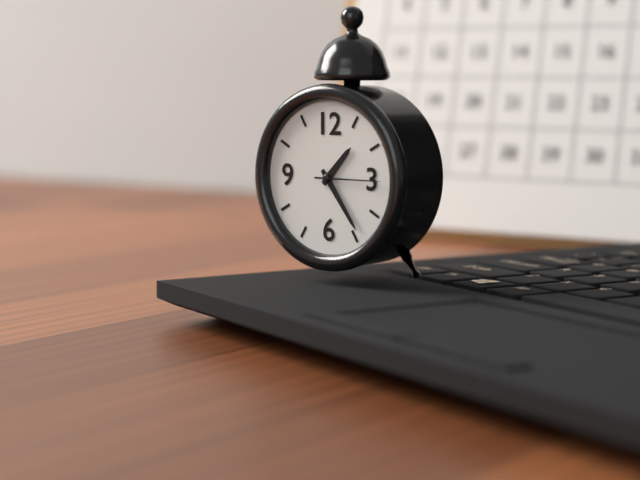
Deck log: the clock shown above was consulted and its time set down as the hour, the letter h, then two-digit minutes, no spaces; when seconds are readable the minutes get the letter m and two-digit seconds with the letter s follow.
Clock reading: 1h24m15s
